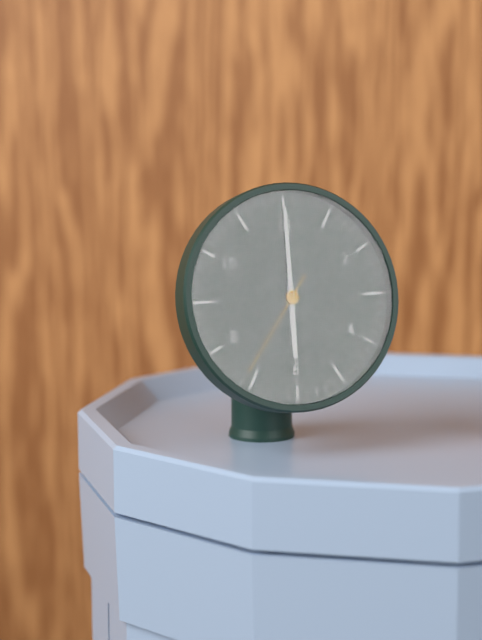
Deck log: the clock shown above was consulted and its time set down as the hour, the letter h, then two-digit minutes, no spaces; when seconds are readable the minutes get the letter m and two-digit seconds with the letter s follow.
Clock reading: 6h00m36s
